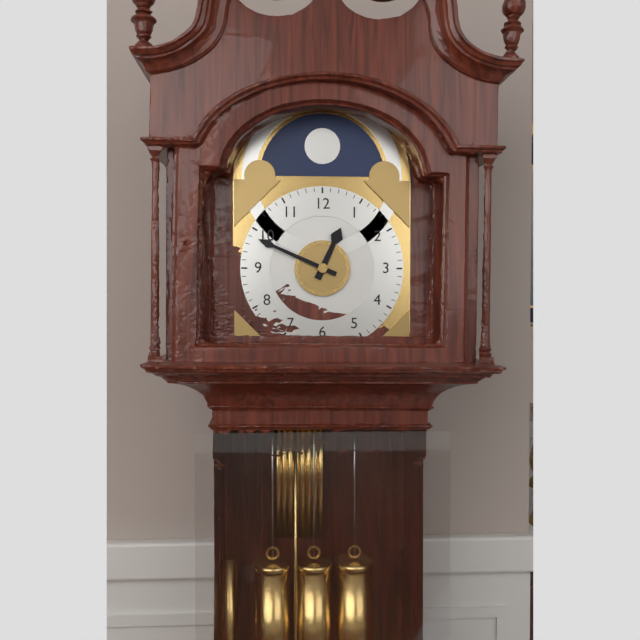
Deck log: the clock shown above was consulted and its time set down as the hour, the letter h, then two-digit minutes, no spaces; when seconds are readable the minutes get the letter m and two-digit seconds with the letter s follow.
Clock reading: 12h49
